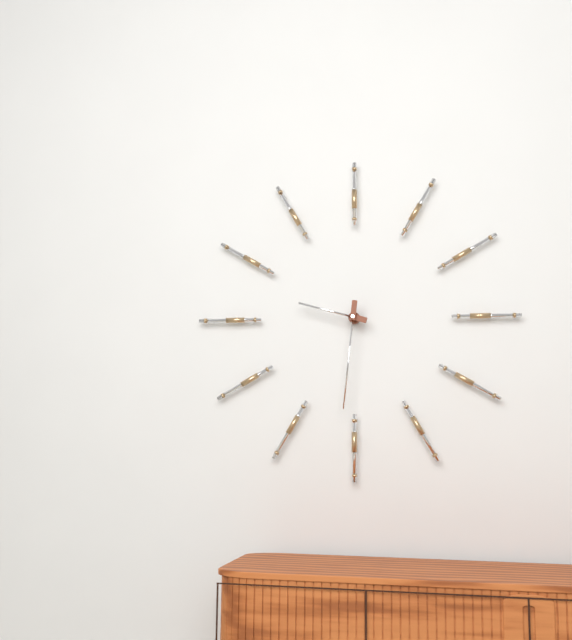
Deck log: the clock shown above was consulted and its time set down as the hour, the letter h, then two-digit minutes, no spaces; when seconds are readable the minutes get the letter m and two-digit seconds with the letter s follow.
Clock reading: 9h31
